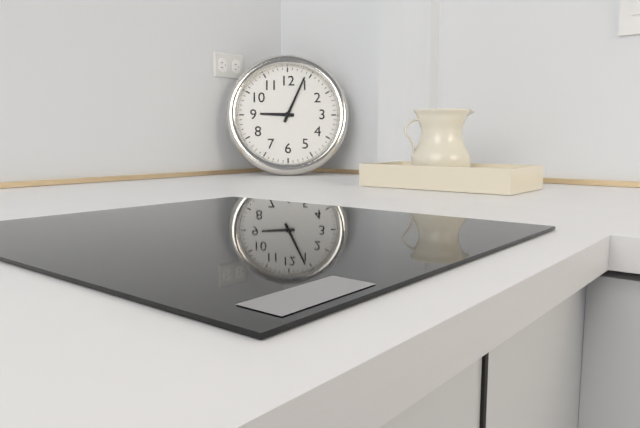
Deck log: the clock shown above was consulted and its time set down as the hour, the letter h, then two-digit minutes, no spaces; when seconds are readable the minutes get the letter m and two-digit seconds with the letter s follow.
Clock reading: 9h04
